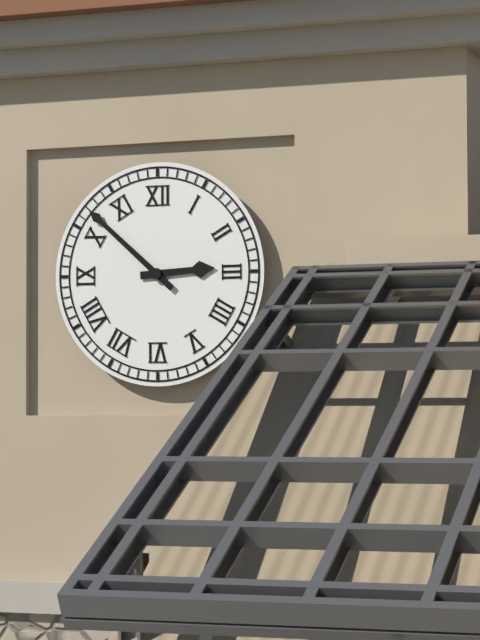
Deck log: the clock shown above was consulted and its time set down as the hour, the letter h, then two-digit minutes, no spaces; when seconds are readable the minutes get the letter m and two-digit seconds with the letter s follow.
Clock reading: 2h52
